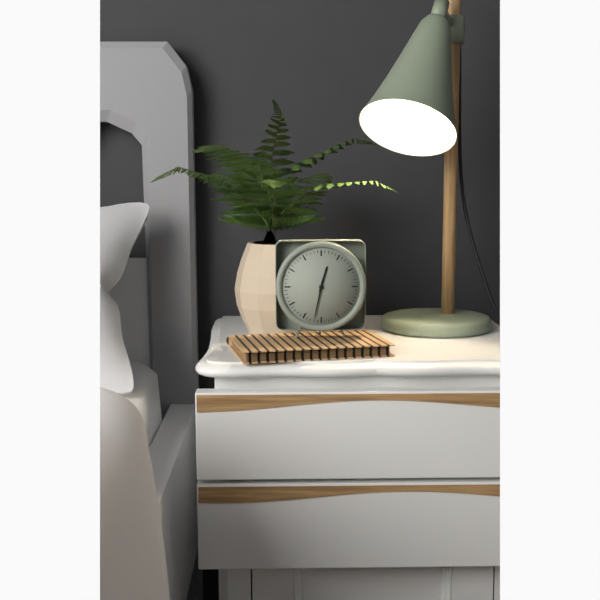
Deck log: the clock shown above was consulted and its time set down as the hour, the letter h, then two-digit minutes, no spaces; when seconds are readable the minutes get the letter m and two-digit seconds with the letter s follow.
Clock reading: 12h32
